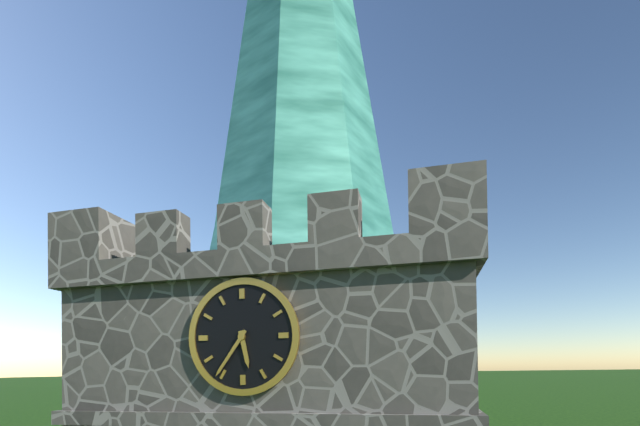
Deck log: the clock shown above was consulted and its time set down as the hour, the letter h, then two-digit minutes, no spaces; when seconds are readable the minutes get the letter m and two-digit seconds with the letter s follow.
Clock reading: 5h36
